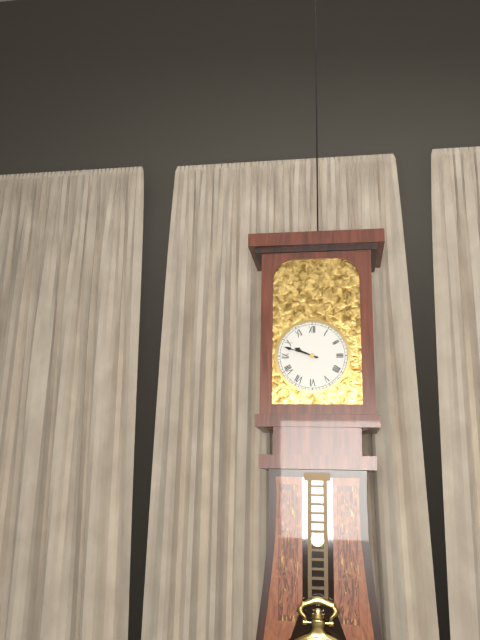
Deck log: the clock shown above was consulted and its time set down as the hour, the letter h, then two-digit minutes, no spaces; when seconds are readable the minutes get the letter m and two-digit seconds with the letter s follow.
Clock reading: 9h48
